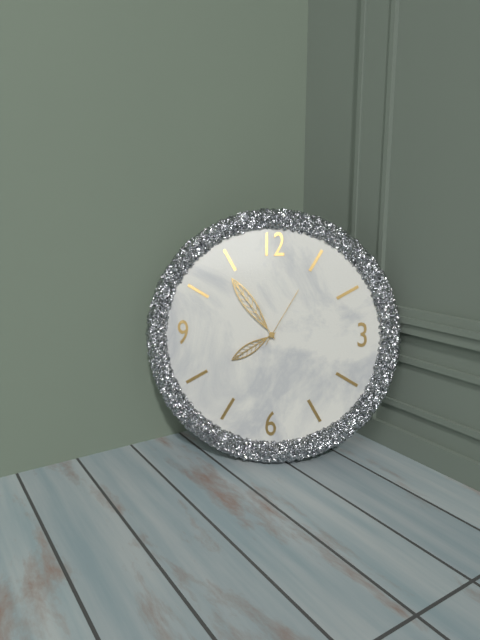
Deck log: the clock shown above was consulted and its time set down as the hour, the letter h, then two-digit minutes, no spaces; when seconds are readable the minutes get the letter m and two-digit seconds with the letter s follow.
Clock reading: 7h54m05s
